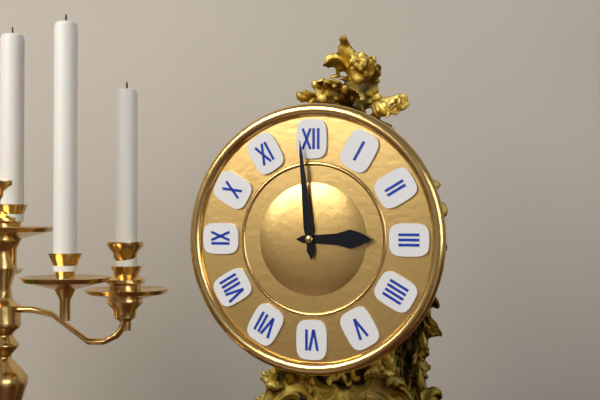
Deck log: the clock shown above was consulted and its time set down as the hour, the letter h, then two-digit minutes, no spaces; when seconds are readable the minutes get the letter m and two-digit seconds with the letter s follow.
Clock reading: 2h59
